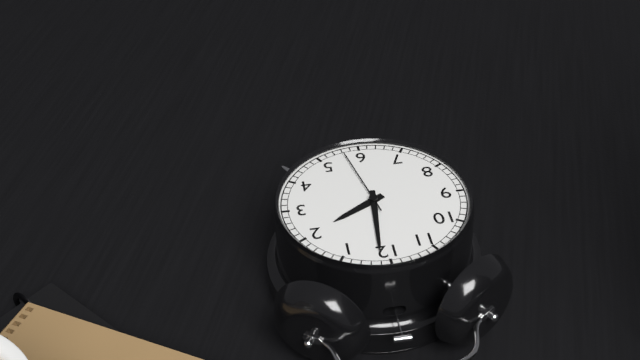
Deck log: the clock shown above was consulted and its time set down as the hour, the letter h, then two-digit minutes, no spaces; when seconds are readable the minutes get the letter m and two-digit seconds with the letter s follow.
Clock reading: 2h01m28s
